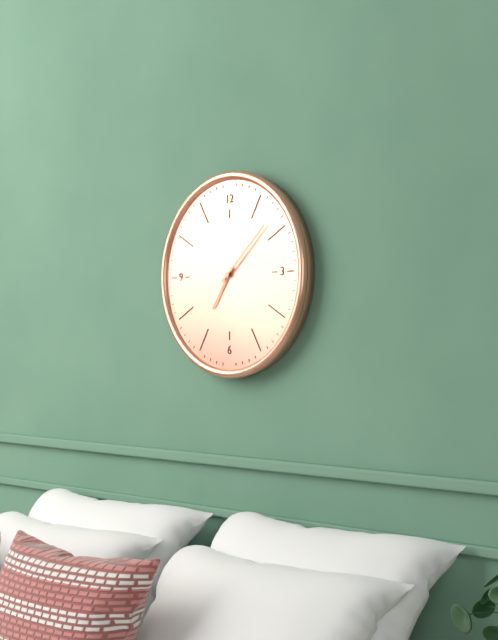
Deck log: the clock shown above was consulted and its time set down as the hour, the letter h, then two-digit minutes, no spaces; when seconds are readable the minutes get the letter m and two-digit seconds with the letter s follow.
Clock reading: 7h08
